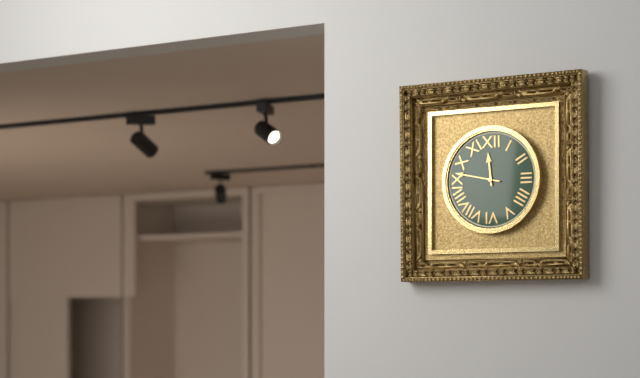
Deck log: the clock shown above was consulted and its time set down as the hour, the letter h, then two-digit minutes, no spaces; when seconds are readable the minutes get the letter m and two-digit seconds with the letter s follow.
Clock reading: 11h47
